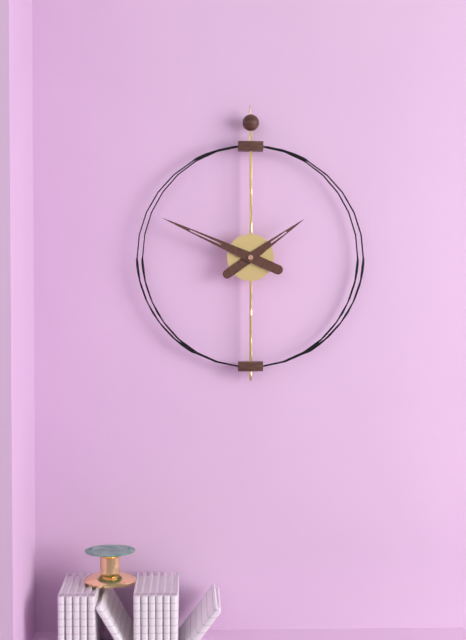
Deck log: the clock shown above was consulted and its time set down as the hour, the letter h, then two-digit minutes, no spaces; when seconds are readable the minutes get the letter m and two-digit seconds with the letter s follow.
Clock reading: 1h49
